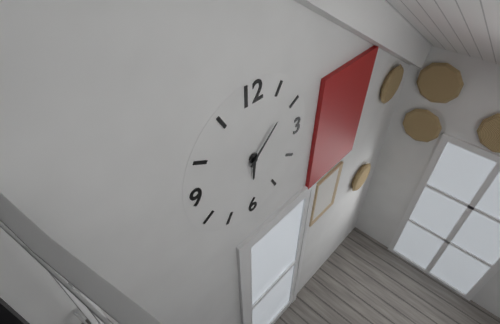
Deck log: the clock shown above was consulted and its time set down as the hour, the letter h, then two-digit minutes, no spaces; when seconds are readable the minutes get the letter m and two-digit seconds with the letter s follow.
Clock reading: 6h08
